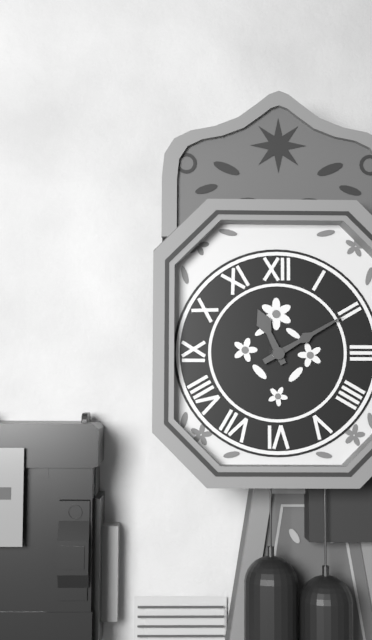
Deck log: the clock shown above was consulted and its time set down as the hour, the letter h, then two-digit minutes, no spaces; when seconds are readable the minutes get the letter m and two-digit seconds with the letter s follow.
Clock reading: 11h10
